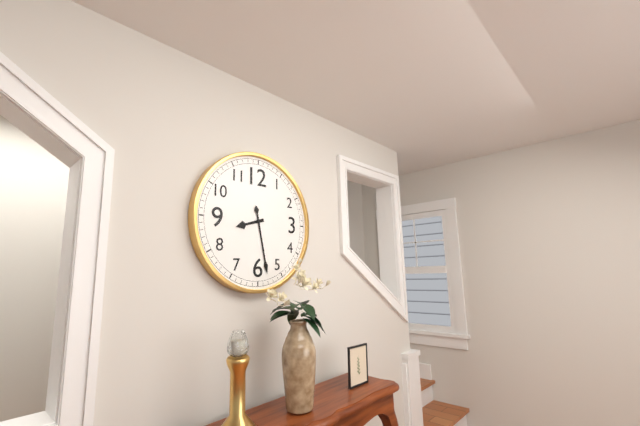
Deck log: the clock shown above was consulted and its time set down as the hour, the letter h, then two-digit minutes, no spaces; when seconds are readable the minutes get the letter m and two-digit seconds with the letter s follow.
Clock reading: 8h28
